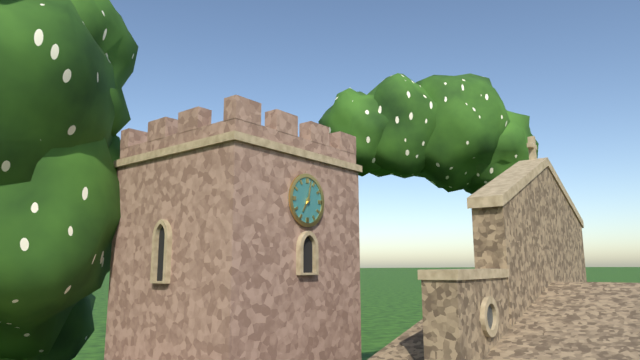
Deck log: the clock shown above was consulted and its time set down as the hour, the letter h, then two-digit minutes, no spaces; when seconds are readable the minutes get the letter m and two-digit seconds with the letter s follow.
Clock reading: 7h02
